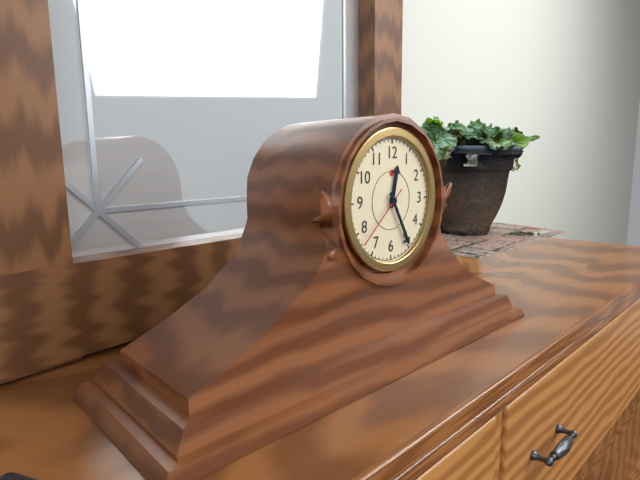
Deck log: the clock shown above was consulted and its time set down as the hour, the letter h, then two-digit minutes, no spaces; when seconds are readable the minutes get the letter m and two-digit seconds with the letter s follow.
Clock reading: 12h25m38s
